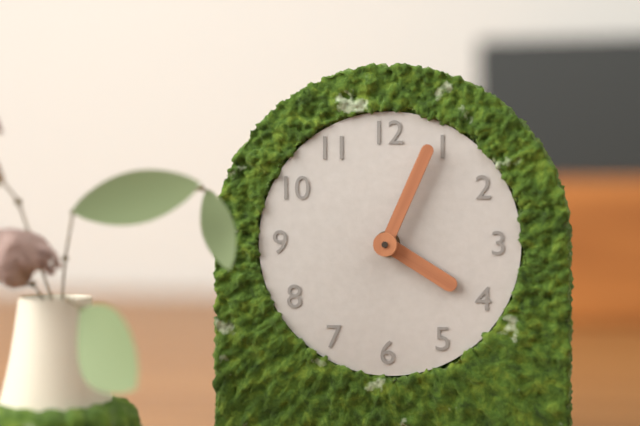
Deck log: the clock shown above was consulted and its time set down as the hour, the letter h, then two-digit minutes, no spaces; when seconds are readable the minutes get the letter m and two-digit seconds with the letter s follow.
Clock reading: 4h04
